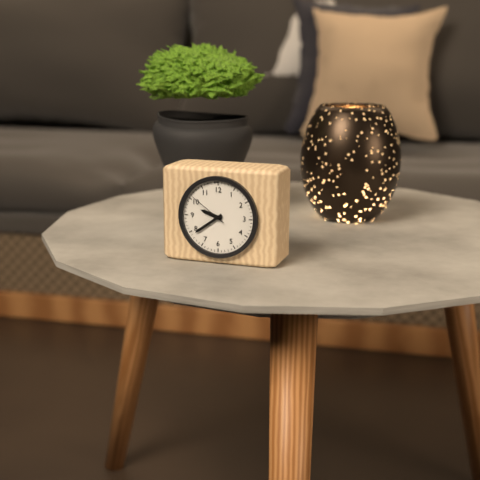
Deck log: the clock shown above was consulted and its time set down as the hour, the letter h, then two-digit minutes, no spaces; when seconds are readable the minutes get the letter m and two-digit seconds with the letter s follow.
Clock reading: 9h39
